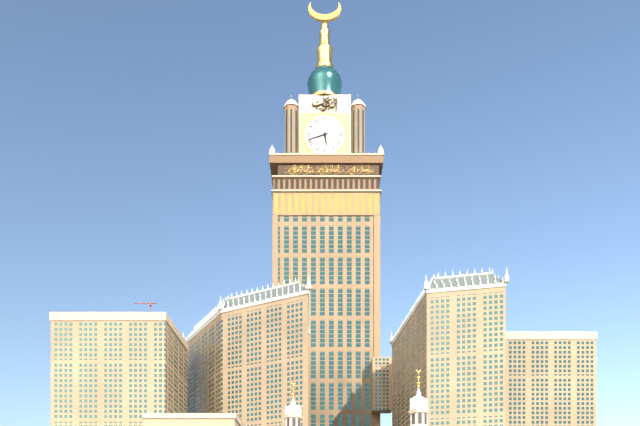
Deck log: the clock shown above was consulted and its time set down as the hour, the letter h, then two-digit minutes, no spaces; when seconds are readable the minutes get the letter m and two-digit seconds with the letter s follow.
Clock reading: 5h42
